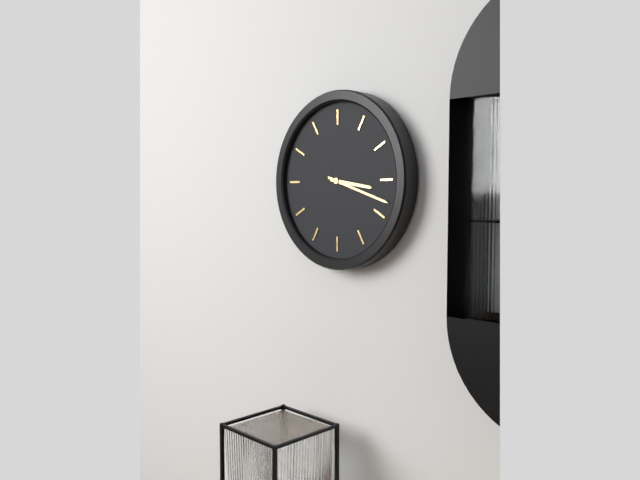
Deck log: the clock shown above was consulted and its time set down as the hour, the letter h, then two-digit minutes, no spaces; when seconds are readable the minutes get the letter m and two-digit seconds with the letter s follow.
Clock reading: 3h18
